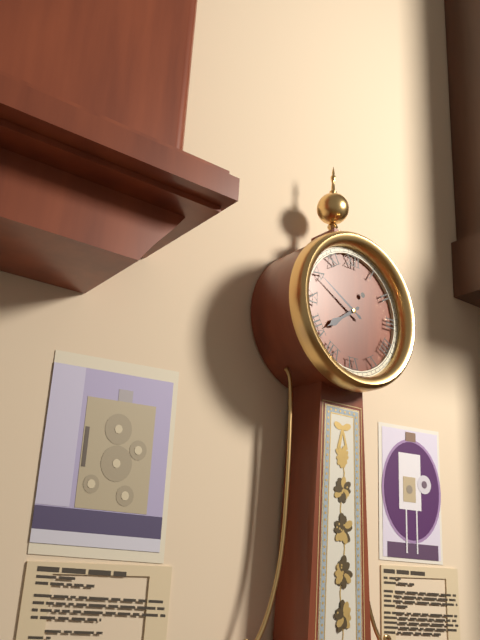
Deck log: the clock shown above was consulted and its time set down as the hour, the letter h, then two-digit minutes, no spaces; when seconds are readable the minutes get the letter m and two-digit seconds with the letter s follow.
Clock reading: 7h50
